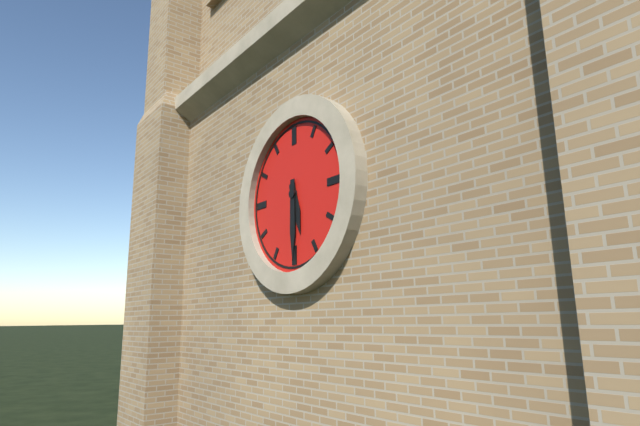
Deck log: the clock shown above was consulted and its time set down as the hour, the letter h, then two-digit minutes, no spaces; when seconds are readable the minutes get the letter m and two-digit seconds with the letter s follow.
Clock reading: 5h30
